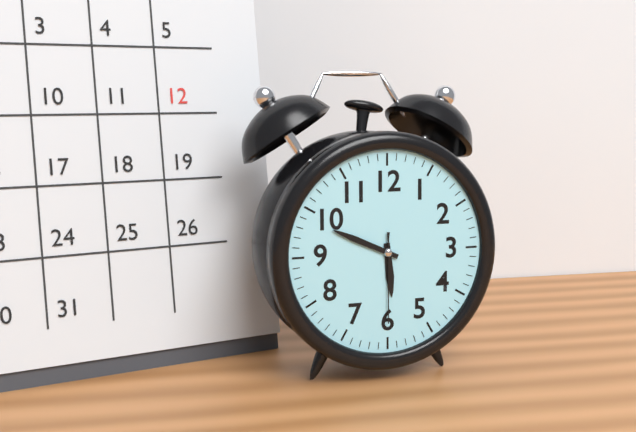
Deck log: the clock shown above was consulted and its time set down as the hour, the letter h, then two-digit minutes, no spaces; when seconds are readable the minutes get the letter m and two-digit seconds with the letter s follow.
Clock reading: 5h49m30s
